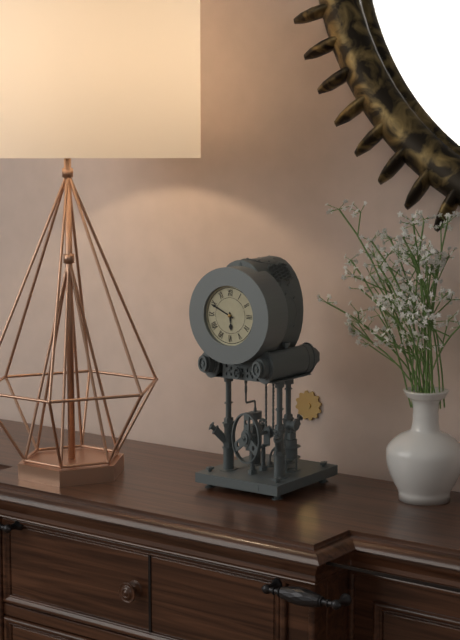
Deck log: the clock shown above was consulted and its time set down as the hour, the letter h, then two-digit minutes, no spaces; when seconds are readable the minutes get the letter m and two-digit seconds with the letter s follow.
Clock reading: 5h49
